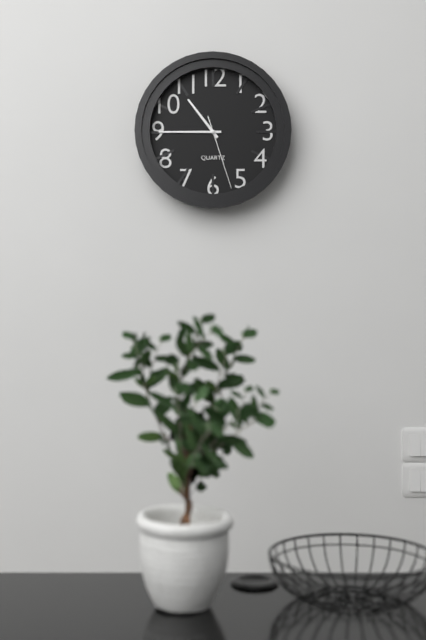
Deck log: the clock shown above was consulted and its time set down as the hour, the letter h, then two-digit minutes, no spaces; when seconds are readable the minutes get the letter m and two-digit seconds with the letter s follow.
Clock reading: 10h45m27s
